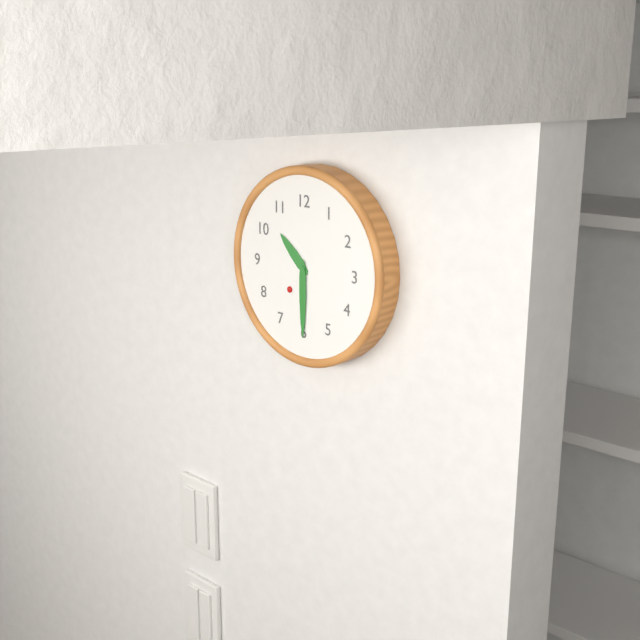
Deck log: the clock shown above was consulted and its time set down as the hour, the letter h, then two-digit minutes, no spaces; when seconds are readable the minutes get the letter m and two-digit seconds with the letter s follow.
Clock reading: 10h30
